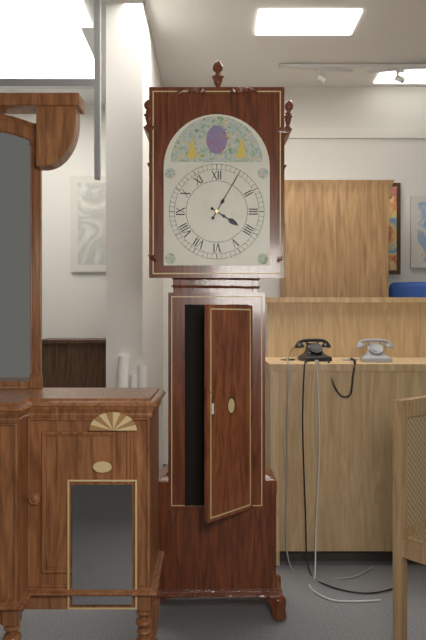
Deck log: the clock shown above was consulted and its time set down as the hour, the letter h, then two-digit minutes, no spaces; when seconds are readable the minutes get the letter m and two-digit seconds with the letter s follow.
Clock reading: 4h05
